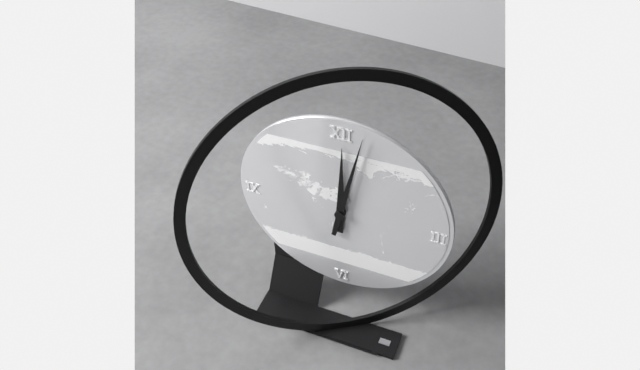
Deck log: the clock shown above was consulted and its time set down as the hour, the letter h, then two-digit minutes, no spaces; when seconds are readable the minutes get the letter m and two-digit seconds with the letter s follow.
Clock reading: 12h02
